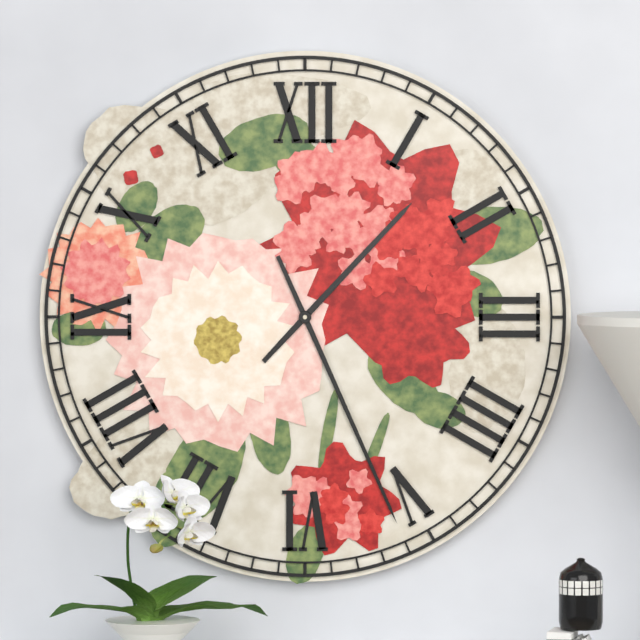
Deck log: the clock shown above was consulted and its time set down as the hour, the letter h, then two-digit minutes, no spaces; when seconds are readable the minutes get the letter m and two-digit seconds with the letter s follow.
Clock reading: 1h26
